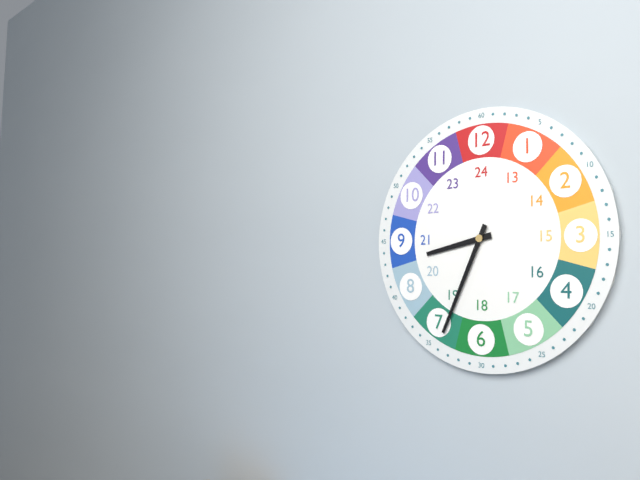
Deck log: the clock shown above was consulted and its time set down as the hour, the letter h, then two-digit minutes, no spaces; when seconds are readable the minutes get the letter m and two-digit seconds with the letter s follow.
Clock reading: 8h34
